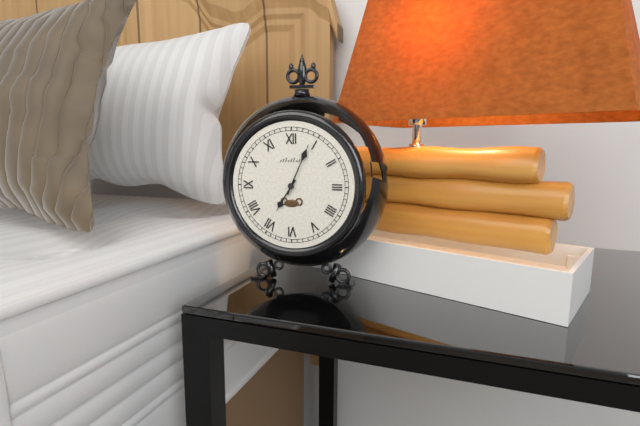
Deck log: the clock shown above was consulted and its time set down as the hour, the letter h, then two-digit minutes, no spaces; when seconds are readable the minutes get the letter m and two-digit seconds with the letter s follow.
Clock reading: 7h04
